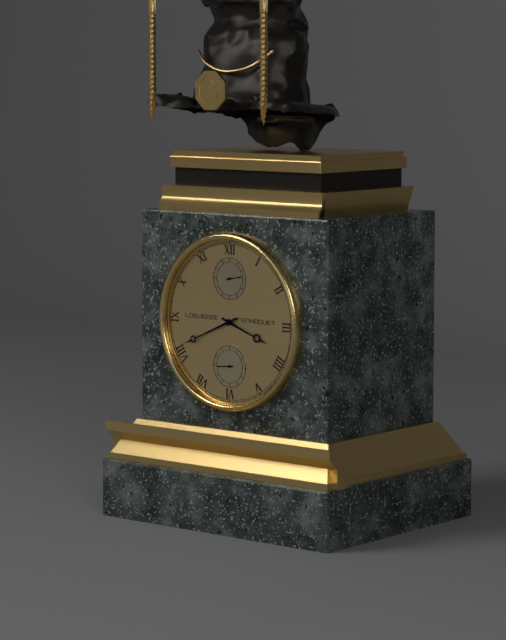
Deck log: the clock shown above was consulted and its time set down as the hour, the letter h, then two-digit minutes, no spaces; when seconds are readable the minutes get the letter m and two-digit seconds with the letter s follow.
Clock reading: 3h41
